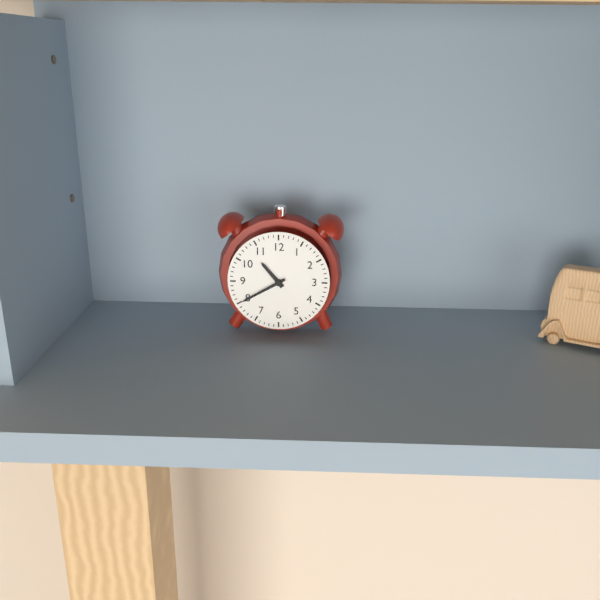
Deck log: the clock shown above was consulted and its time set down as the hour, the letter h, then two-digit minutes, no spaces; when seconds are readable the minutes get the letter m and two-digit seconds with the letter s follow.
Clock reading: 10h40
